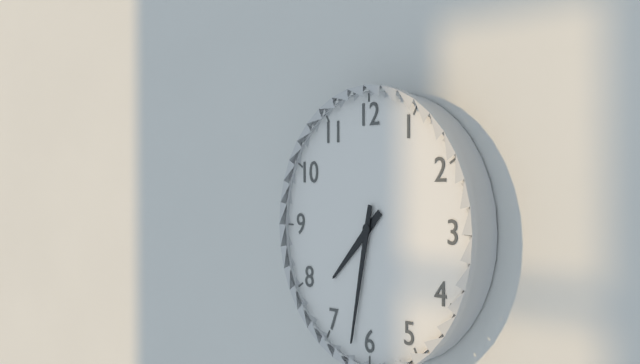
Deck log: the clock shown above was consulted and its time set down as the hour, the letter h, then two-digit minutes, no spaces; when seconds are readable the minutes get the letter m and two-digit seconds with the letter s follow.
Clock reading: 7h32
